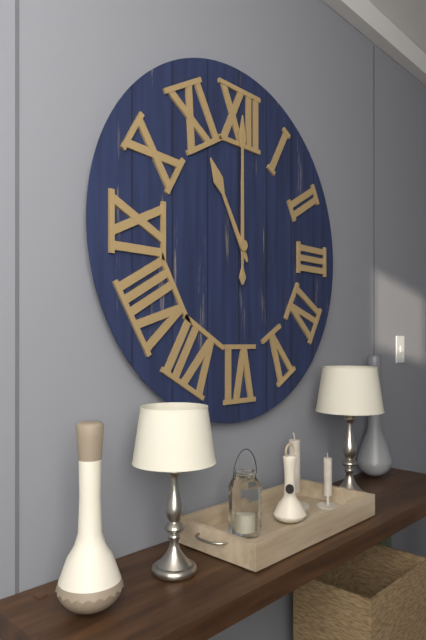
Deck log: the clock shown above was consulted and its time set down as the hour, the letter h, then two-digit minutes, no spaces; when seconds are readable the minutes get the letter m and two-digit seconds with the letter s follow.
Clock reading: 11h00
